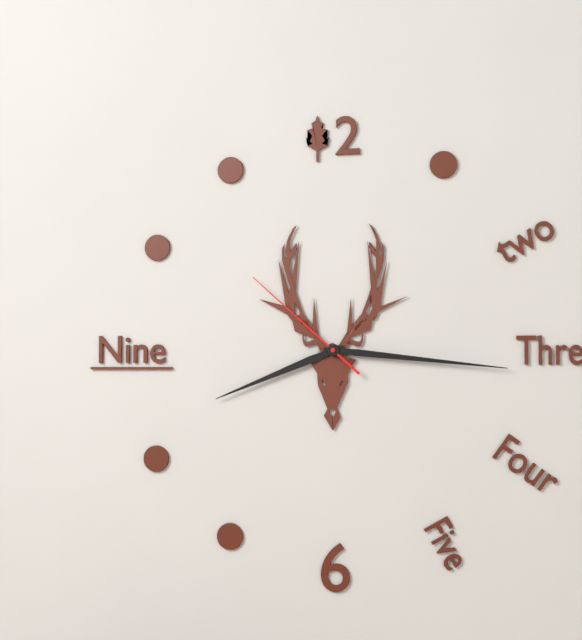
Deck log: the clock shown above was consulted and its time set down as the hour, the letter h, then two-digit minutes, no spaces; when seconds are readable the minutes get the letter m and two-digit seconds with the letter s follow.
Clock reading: 8h16m52s
